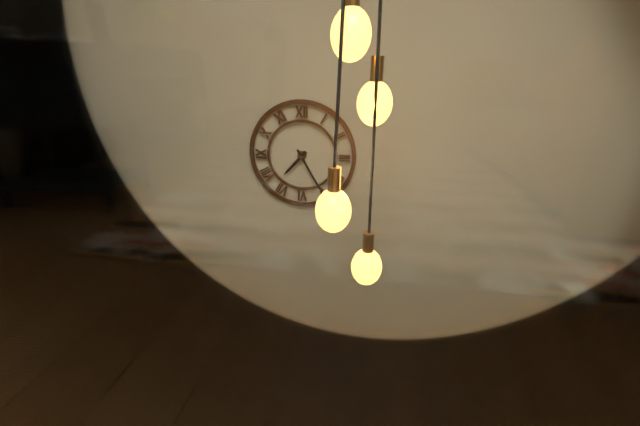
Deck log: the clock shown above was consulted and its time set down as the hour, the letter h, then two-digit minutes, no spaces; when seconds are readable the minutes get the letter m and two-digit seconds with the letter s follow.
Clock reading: 7h25
